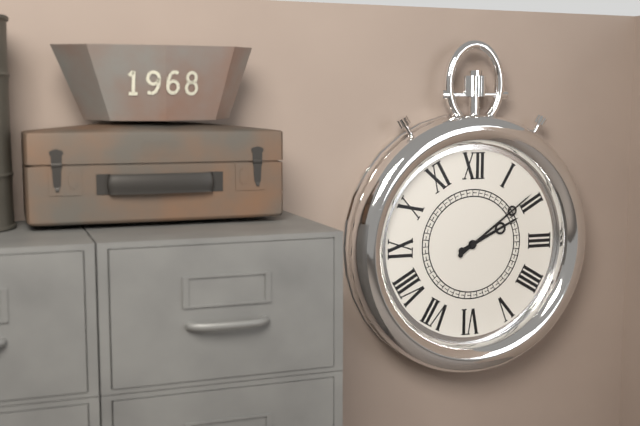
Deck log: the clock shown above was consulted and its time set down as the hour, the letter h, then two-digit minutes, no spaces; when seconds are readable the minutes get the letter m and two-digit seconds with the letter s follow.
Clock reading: 2h09
